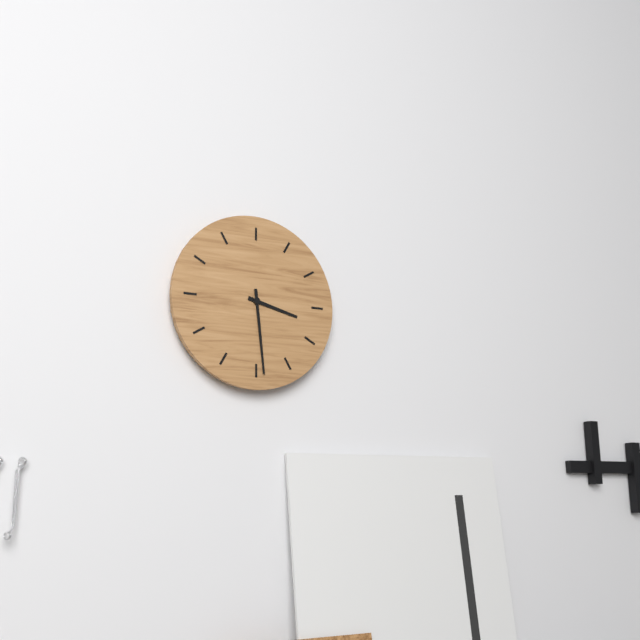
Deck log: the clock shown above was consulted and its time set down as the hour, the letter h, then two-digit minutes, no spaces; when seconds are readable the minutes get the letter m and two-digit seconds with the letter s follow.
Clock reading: 3h29
